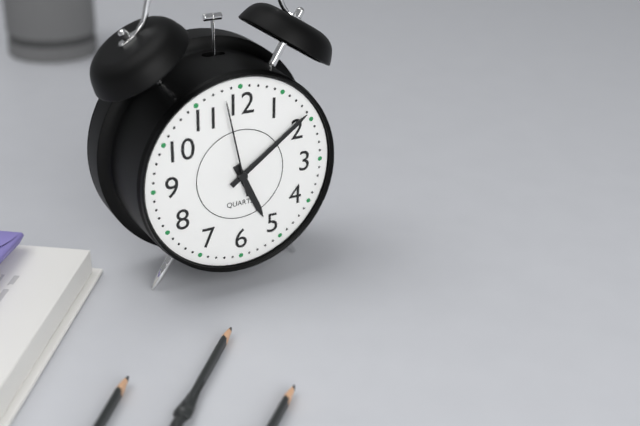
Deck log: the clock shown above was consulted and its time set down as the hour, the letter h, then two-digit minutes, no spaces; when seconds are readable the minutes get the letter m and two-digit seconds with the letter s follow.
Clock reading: 5h09m58s
